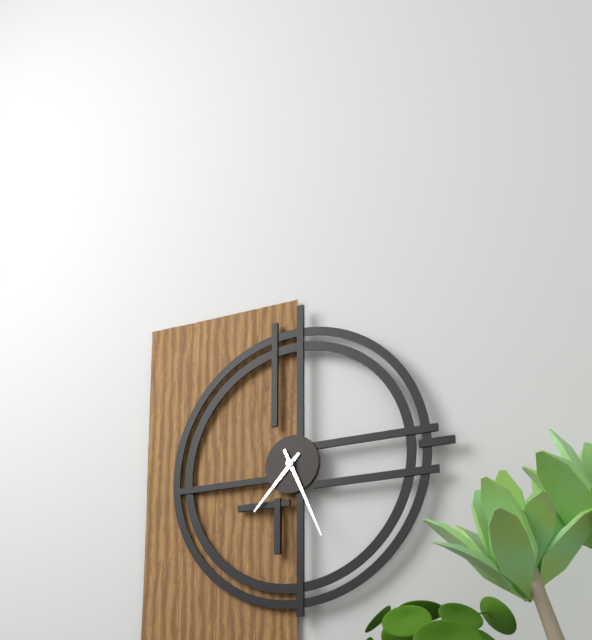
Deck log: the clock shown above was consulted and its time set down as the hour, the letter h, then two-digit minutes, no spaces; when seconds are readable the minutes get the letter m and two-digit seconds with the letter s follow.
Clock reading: 7h26
